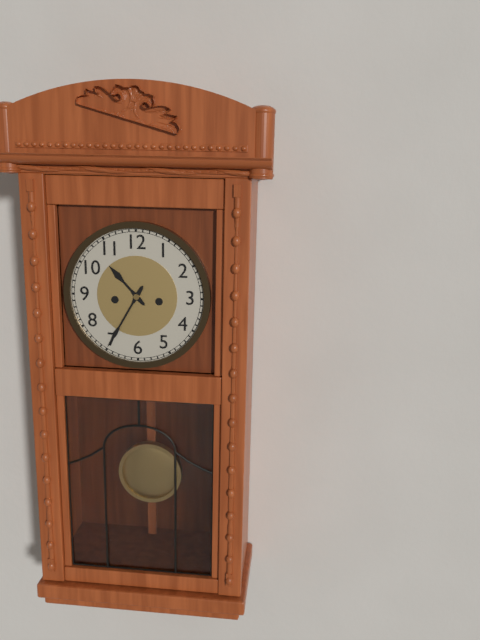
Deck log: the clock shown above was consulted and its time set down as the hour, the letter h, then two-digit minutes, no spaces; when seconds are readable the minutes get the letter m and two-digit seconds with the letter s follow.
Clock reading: 10h35
